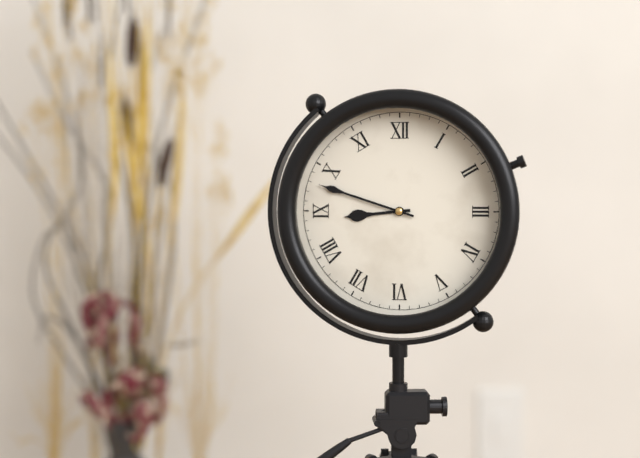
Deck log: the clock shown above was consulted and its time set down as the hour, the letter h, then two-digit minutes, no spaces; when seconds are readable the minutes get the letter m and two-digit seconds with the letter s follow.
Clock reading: 8h48
